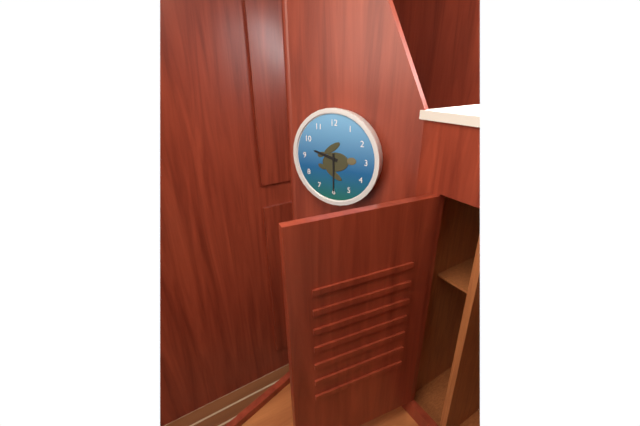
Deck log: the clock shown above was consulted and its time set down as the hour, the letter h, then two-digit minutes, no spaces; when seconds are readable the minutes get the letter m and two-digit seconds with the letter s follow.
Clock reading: 9h30
